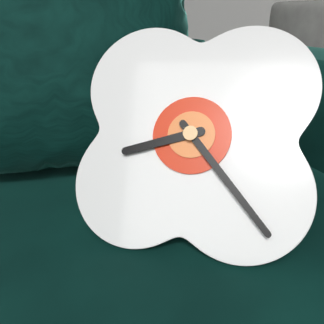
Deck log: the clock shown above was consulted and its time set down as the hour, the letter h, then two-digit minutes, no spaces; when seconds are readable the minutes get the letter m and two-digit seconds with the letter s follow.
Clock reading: 8h23
